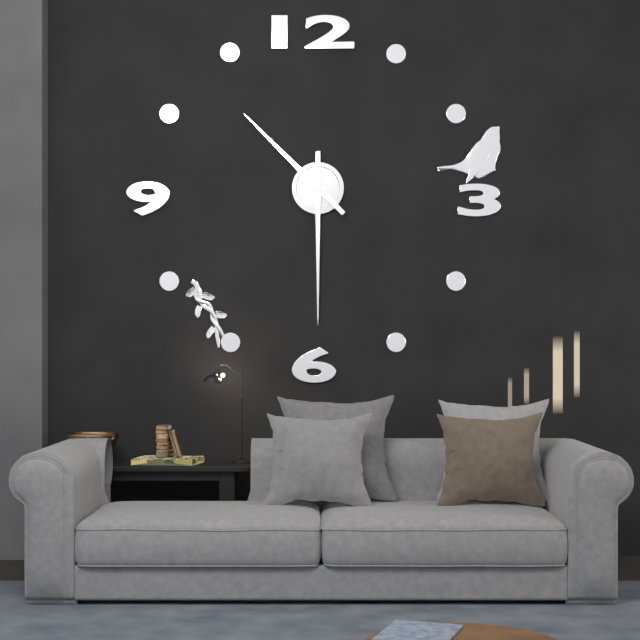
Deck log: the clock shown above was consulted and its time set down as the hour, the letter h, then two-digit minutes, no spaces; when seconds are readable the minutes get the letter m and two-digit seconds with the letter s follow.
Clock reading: 10h30
